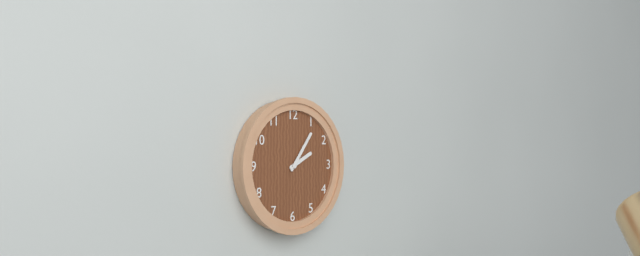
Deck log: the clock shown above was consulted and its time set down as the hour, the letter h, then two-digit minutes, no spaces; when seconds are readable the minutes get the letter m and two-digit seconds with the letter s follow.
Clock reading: 2h06
